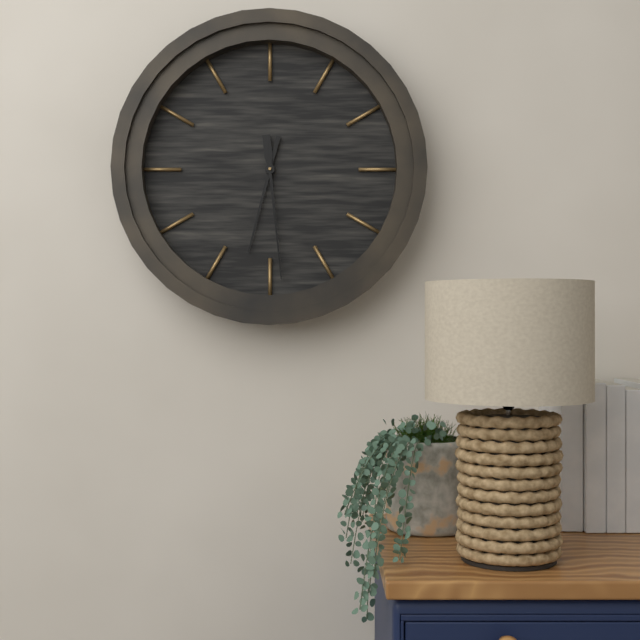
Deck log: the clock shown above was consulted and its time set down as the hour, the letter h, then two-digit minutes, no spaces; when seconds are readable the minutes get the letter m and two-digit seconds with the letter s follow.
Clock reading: 6h29
